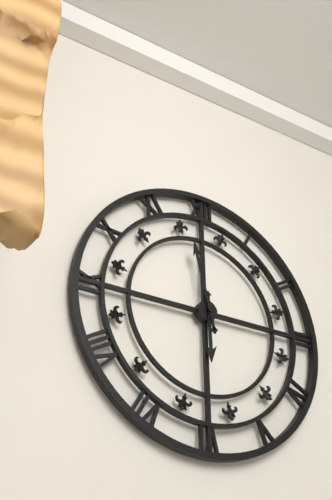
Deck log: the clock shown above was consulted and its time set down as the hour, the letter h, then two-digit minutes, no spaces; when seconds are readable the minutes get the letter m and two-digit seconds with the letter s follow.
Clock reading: 5h58
